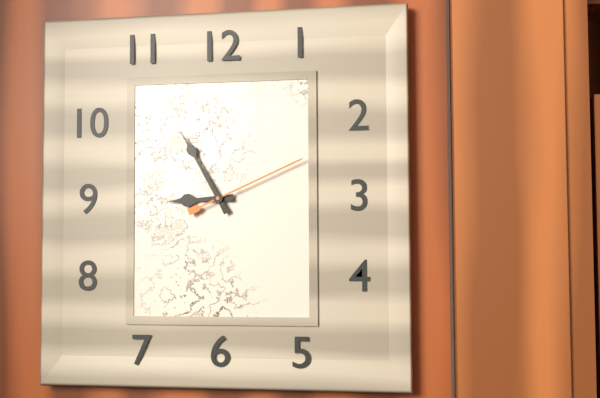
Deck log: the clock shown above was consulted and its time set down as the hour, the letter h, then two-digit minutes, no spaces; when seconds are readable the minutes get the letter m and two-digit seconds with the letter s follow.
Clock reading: 8h55m11s
